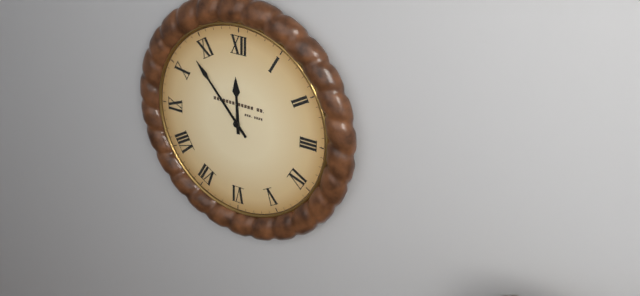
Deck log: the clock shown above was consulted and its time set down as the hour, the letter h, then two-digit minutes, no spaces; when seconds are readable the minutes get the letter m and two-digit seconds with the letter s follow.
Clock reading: 11h53
